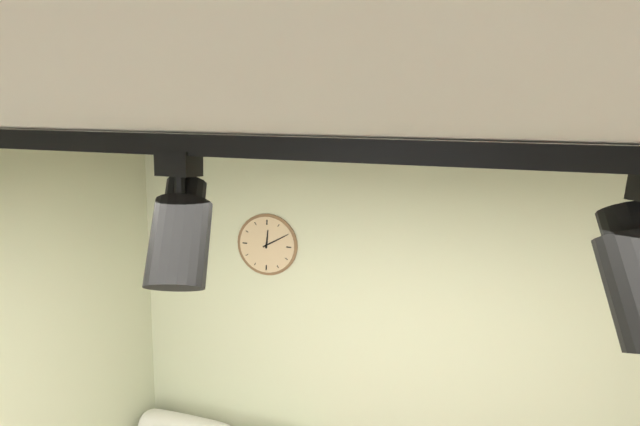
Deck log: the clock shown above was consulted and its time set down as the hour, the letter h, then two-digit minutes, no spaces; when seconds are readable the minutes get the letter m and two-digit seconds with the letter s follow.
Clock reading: 12h10
